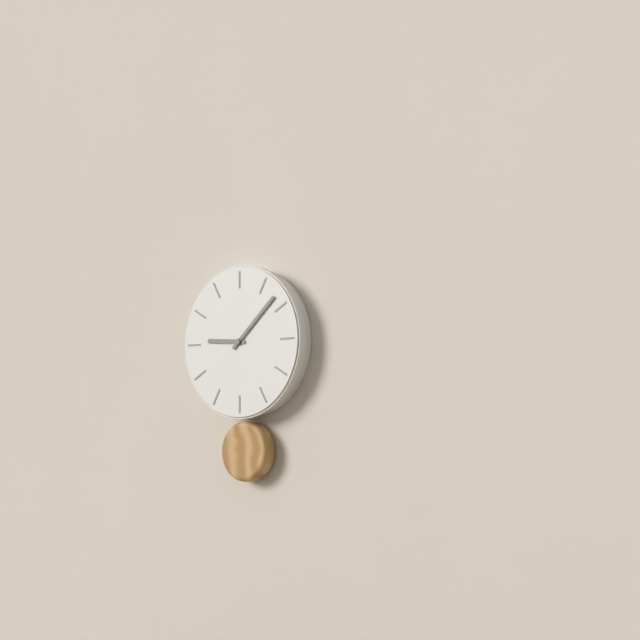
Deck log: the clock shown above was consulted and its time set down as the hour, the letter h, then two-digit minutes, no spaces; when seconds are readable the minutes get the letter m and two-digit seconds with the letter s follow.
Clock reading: 9h08
